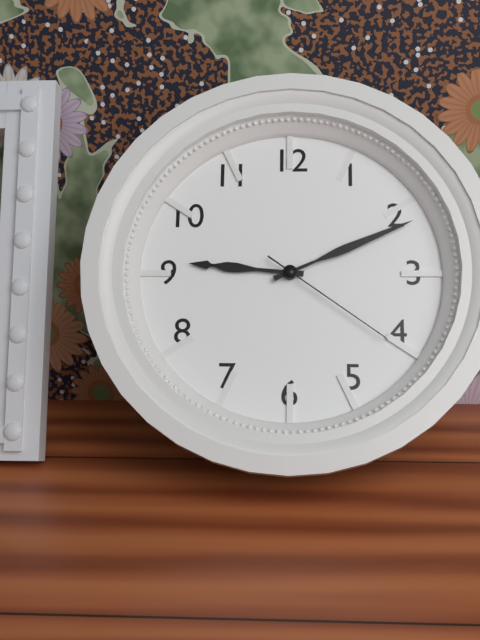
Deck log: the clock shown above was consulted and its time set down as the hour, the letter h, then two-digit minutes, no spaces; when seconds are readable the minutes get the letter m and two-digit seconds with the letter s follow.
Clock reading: 9h11m21s
